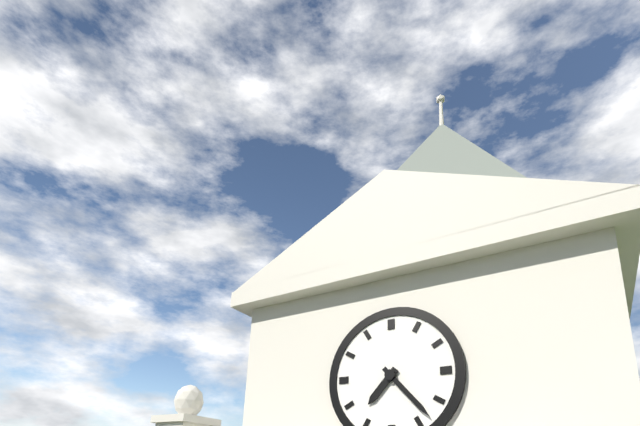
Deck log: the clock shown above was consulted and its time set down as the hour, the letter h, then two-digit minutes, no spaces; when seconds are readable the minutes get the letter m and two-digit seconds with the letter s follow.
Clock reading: 7h23
